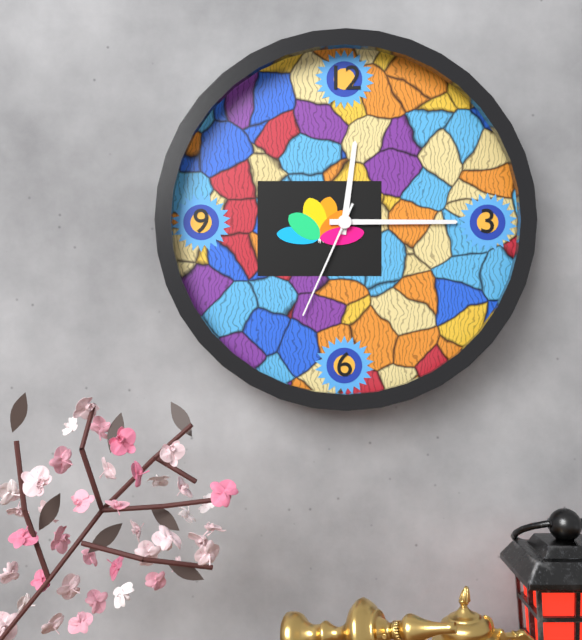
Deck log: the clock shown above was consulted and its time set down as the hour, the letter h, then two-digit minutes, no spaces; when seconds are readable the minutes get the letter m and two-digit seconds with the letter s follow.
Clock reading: 12h15m34s
